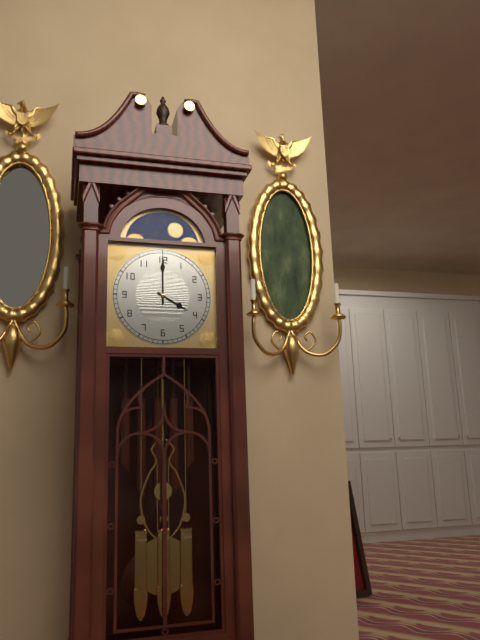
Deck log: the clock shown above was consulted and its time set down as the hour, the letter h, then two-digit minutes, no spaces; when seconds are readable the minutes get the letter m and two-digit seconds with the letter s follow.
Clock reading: 4h00
